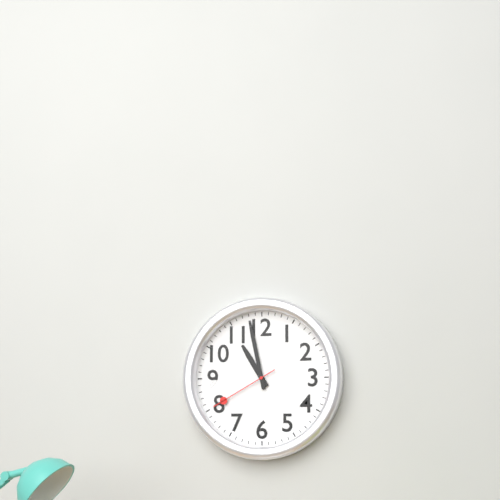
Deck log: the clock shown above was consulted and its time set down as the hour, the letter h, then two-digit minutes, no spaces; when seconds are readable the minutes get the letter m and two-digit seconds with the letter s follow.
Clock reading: 10h58m40s
